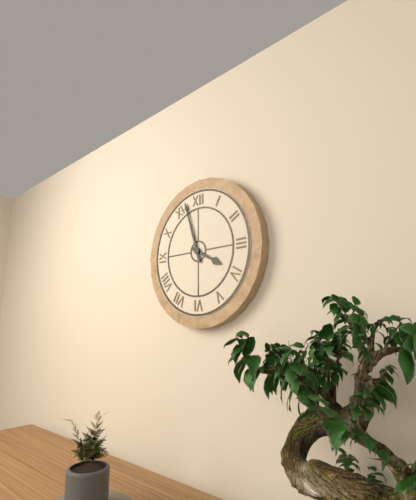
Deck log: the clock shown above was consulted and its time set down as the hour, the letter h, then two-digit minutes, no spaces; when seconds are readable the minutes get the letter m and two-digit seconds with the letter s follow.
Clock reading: 3h57
